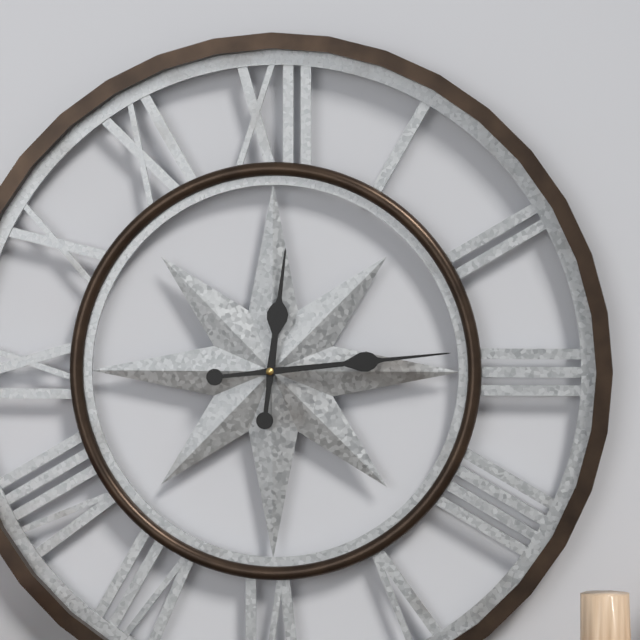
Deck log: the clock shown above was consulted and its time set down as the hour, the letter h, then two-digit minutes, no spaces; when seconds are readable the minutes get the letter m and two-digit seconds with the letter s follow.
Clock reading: 12h14
